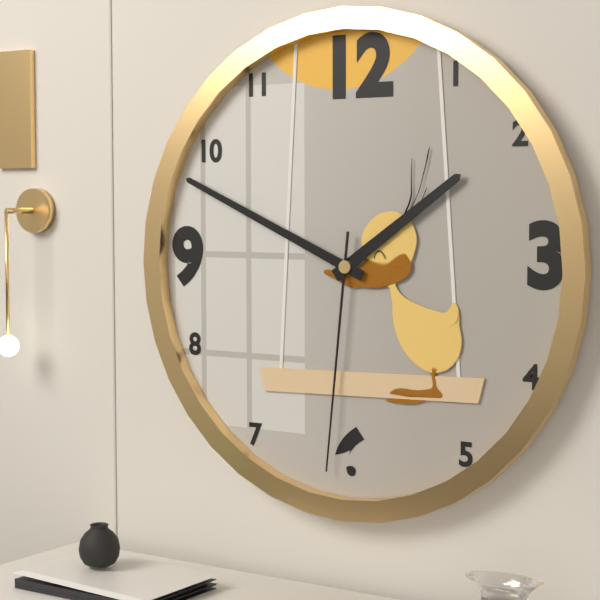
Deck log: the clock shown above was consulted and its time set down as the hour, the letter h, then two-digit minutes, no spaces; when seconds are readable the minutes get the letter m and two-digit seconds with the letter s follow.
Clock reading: 1h49m31s
